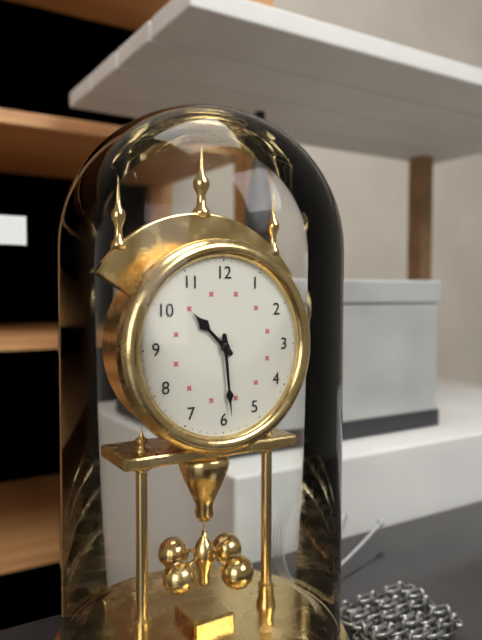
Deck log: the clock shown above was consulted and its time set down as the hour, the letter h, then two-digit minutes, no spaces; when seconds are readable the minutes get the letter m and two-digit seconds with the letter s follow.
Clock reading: 10h29
